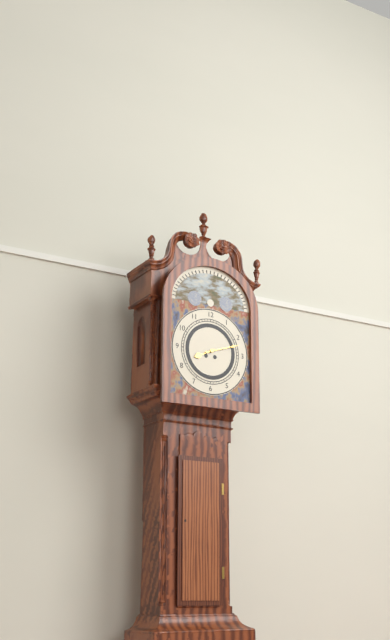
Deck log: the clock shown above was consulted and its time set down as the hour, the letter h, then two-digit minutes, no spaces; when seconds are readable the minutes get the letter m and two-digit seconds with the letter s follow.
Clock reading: 8h12
